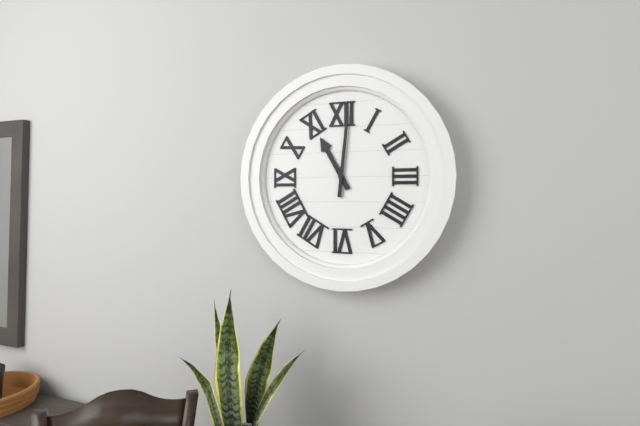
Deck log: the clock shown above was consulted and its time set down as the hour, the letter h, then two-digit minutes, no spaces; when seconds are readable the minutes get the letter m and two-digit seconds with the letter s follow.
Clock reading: 11h01
